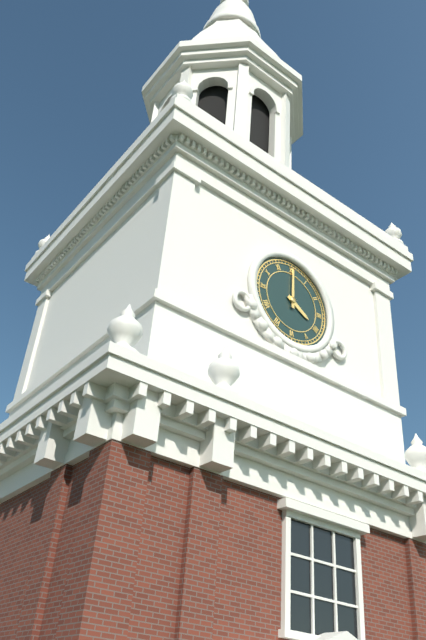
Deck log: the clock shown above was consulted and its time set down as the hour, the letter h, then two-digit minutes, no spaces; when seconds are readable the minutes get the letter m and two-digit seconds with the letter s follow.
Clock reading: 4h00
